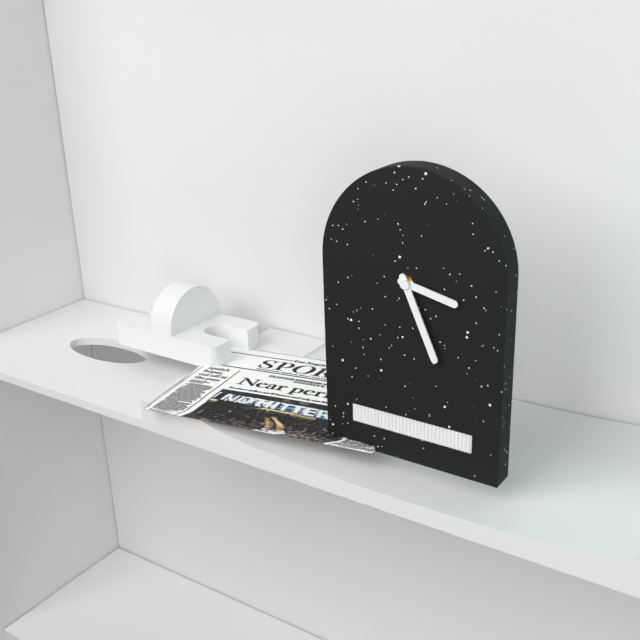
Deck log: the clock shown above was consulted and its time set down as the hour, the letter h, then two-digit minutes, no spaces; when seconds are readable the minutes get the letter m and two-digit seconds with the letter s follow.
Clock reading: 3h26
